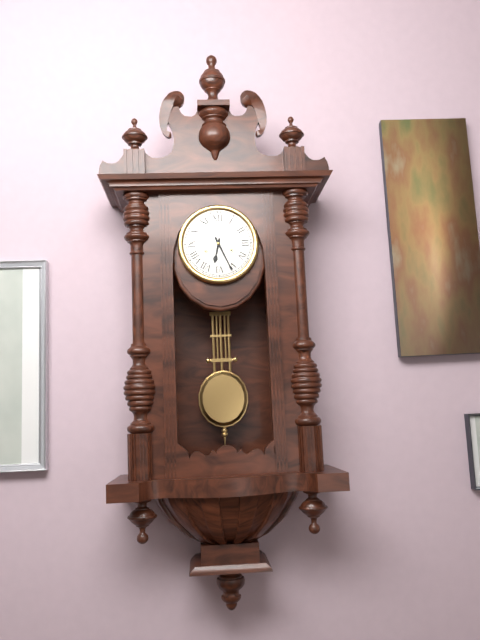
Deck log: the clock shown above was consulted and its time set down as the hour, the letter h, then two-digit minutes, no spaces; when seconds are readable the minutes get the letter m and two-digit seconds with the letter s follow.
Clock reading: 6h26
